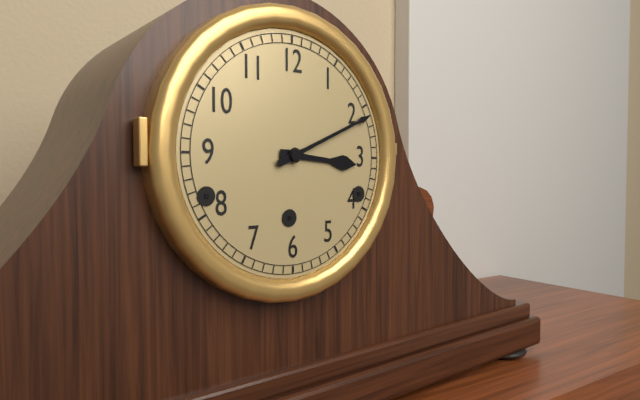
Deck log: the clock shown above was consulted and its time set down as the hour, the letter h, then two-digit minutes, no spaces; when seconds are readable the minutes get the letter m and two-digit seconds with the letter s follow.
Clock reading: 3h11
